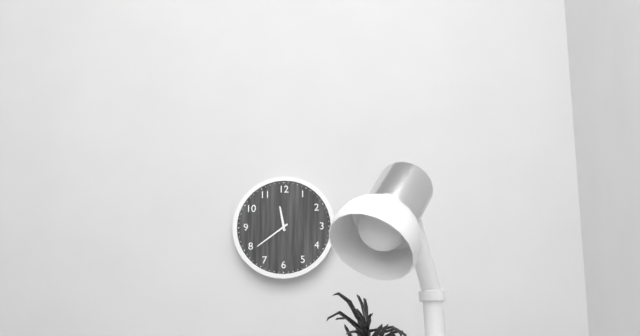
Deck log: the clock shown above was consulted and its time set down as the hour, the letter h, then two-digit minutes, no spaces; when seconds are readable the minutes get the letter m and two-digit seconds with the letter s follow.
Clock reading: 11h39
